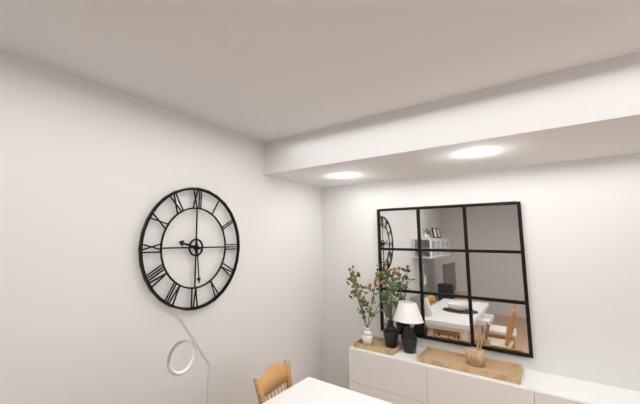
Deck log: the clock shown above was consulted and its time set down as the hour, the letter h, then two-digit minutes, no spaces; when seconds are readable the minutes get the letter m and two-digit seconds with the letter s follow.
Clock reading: 9h29
